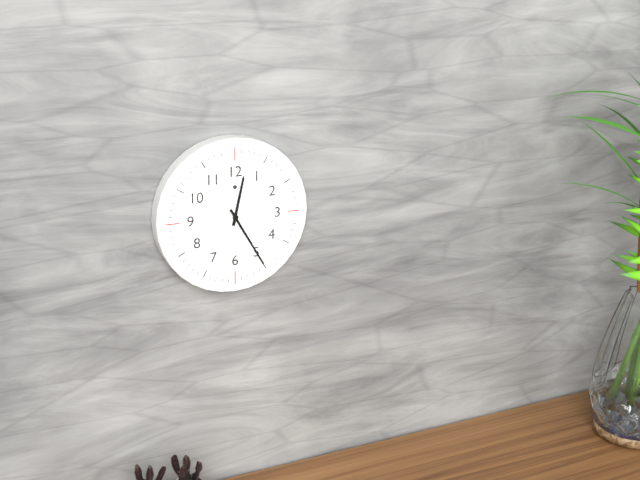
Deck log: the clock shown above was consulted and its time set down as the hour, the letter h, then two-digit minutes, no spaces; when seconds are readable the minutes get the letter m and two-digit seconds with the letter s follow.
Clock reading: 12h25
